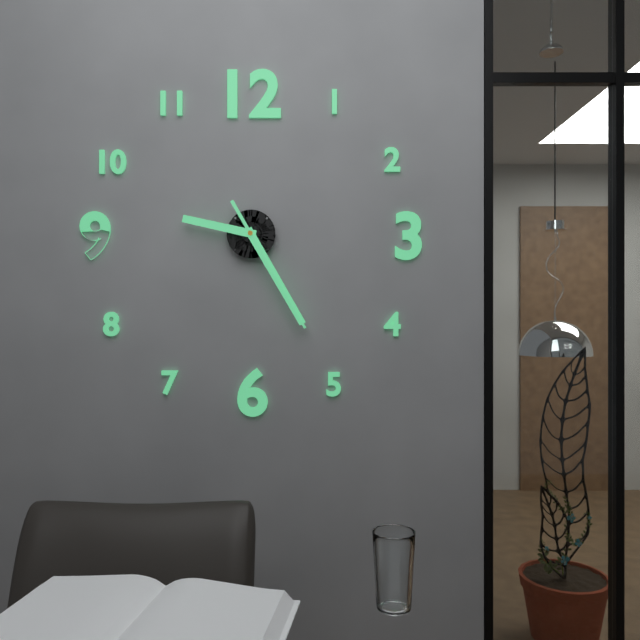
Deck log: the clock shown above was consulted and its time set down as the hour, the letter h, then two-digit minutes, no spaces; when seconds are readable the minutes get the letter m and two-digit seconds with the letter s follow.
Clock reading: 9h25m25s
